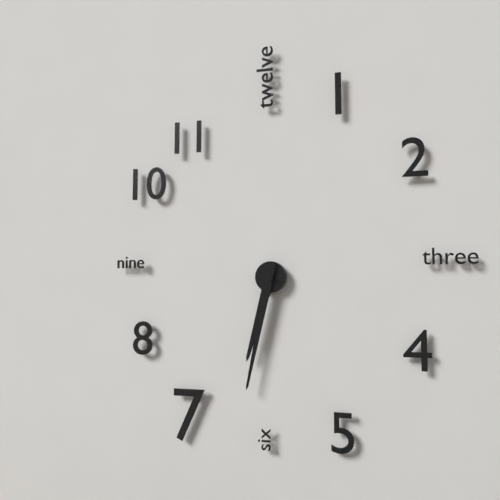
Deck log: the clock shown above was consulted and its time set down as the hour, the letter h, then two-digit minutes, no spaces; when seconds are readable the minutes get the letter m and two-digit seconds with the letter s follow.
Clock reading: 6h32
